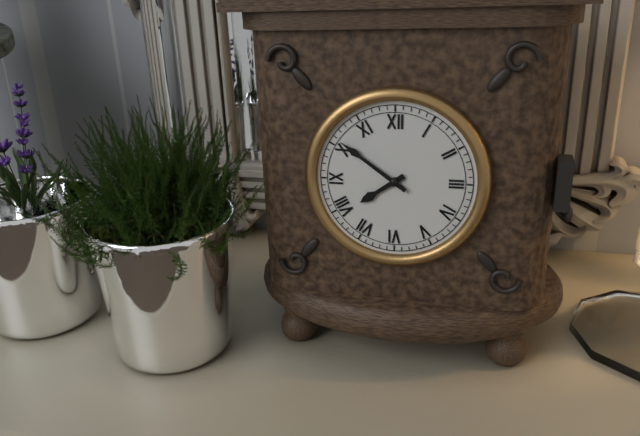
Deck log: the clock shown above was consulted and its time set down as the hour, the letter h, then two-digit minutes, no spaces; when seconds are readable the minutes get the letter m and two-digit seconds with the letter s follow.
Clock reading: 7h51
